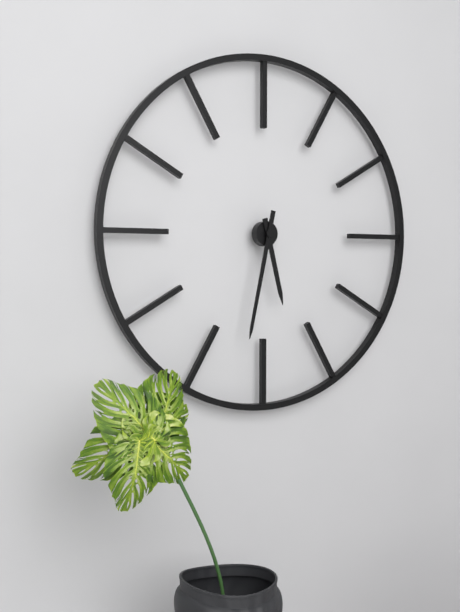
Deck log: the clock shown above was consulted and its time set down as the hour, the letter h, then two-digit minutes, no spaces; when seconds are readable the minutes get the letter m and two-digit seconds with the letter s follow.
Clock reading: 5h32
